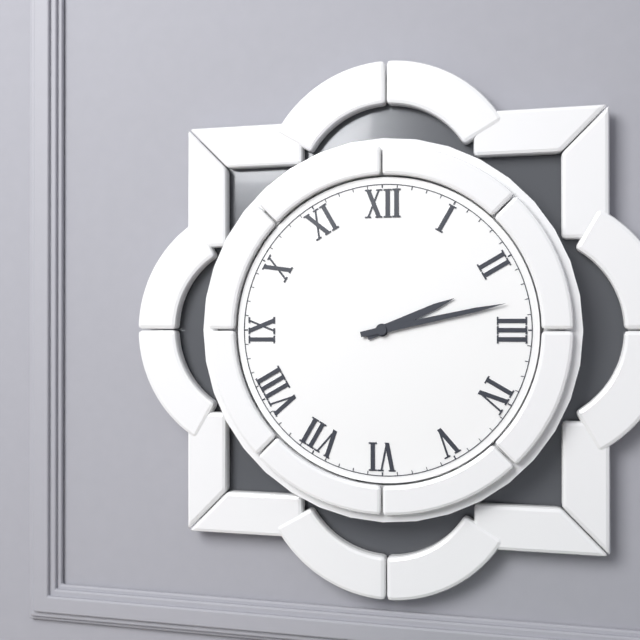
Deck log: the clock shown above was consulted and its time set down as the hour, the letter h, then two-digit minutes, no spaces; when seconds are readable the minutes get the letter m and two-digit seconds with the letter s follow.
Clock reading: 2h13
